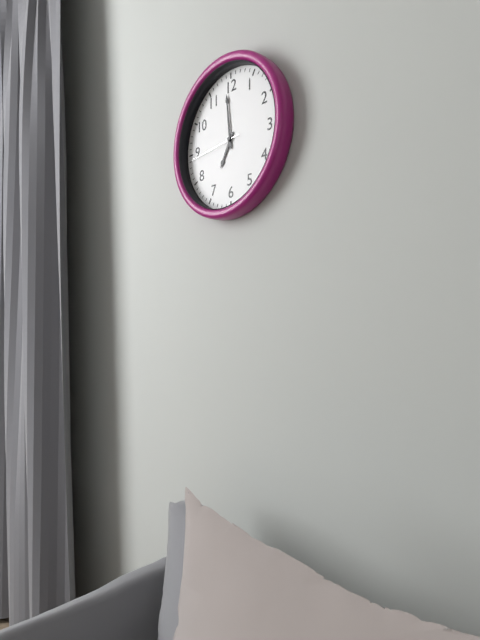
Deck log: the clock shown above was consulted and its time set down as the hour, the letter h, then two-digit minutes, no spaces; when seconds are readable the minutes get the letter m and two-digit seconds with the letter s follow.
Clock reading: 6h59m44s
